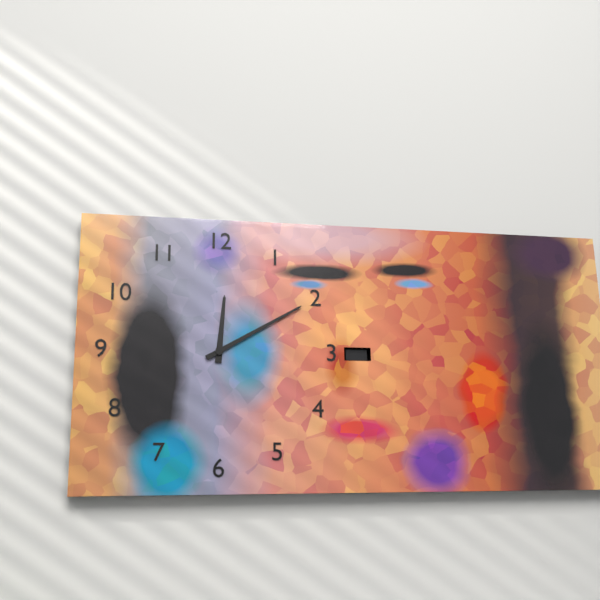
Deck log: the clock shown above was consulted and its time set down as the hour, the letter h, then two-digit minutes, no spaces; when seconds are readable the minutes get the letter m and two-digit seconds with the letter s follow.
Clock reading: 12h10
